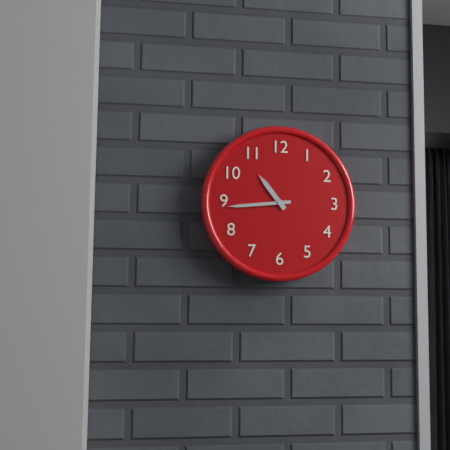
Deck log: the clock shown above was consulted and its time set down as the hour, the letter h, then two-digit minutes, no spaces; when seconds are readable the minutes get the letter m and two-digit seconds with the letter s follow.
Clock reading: 10h44
